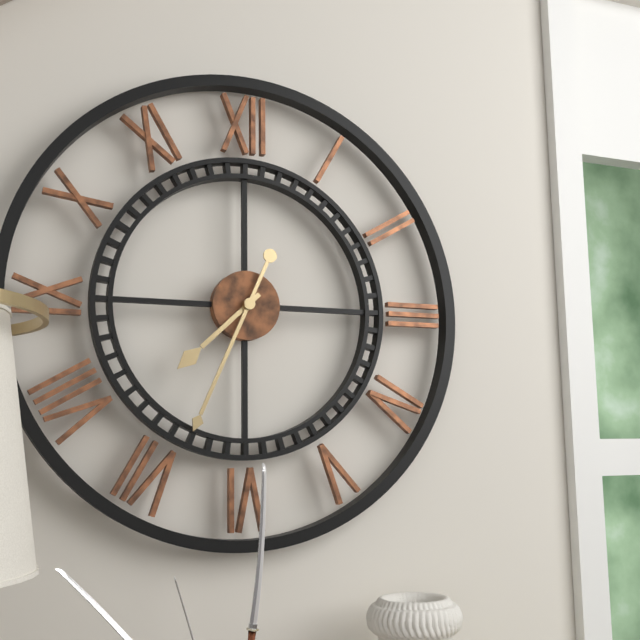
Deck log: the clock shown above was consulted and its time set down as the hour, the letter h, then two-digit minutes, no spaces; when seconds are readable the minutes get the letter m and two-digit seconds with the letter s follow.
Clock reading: 7h34
